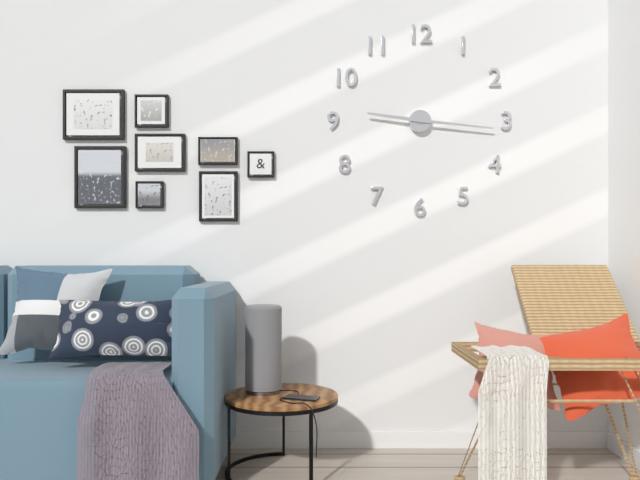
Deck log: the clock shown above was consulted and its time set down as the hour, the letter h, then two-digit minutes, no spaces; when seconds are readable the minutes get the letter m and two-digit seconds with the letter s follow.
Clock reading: 9h16
